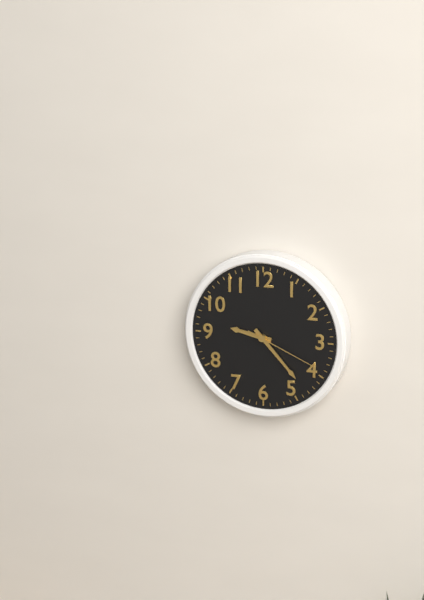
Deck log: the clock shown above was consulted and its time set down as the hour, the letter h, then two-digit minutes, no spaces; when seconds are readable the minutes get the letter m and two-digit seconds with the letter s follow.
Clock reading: 9h23m19s
